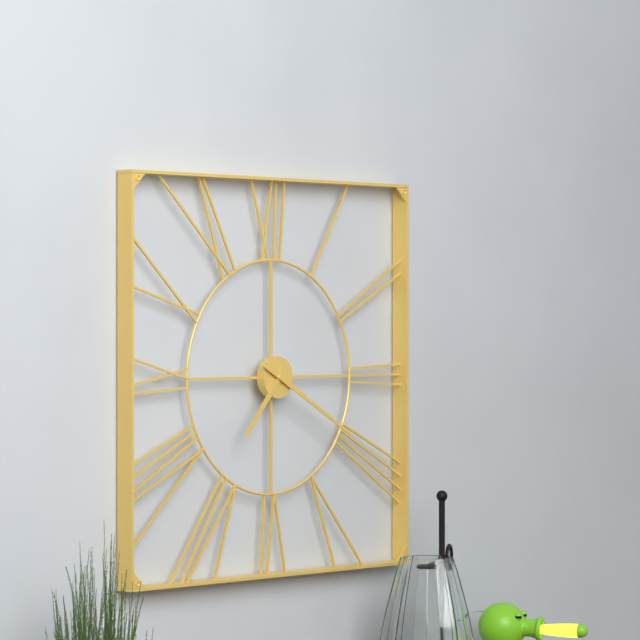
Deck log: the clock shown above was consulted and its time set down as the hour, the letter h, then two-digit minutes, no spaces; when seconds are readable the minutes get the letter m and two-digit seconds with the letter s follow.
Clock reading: 7h20
